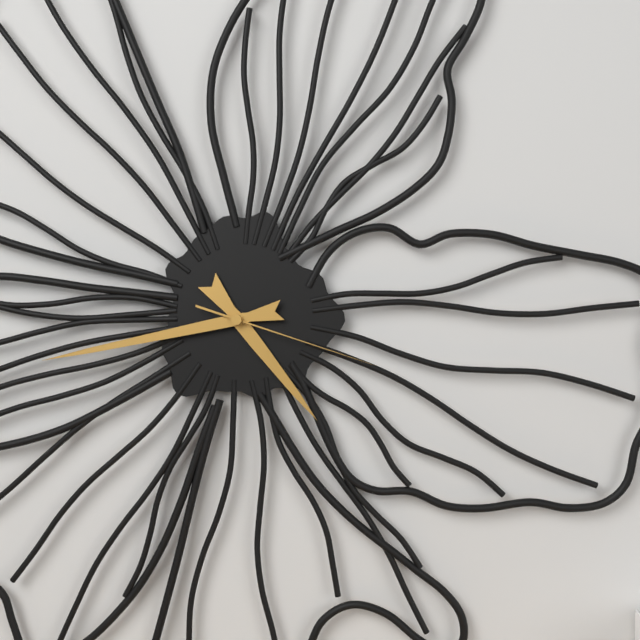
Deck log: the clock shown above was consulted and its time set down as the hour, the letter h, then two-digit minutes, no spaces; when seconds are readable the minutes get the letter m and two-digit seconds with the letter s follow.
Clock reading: 4h43m18s
